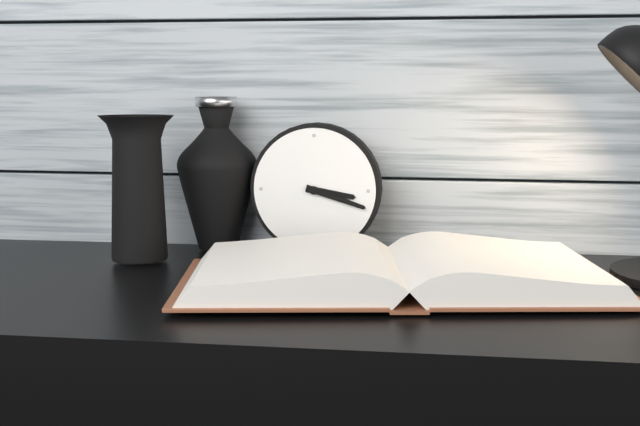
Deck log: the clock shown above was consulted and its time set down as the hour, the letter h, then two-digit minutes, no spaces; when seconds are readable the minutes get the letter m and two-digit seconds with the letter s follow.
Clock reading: 3h18
